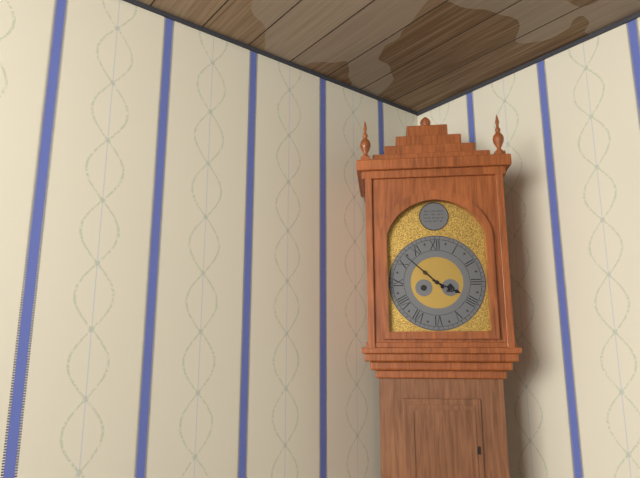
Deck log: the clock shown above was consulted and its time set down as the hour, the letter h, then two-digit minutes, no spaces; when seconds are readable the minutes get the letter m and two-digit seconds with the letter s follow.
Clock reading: 3h52
